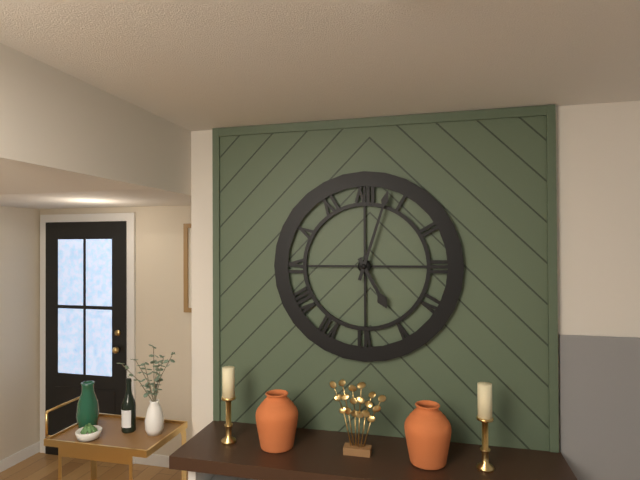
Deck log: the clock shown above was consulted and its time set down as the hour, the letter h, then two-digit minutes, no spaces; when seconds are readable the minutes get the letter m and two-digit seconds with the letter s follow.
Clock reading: 5h03
